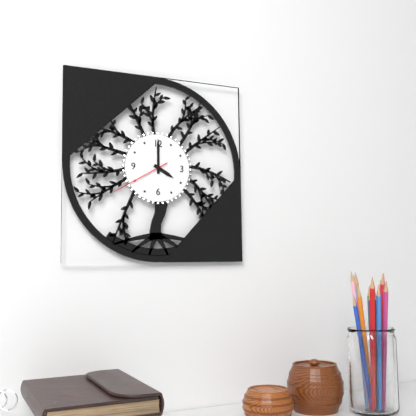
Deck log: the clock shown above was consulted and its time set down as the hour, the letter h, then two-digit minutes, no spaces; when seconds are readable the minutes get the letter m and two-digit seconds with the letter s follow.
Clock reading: 4h00m40s
